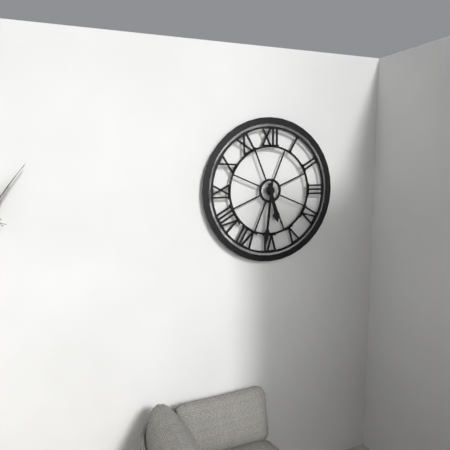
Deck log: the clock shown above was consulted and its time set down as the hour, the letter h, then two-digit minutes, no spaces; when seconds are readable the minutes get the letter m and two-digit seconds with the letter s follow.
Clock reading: 5h31
